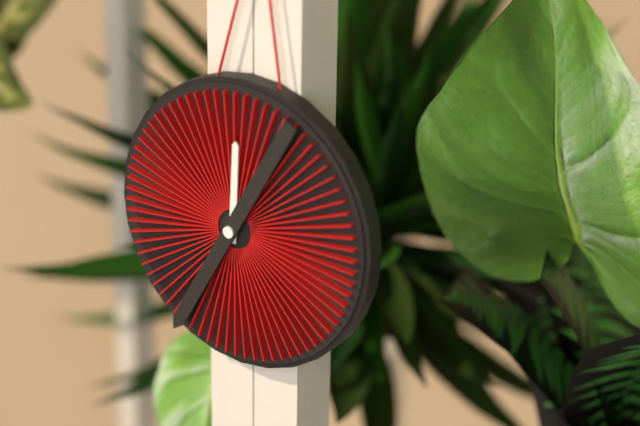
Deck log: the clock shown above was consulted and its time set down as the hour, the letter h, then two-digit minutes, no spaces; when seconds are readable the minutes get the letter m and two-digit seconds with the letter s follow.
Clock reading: 12h05m35s
